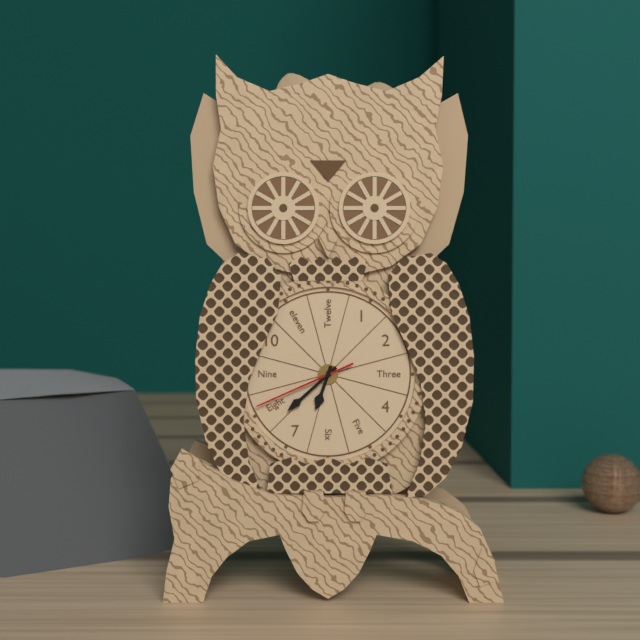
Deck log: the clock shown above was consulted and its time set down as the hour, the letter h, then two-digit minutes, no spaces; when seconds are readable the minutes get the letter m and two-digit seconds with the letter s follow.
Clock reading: 6h38m41s
